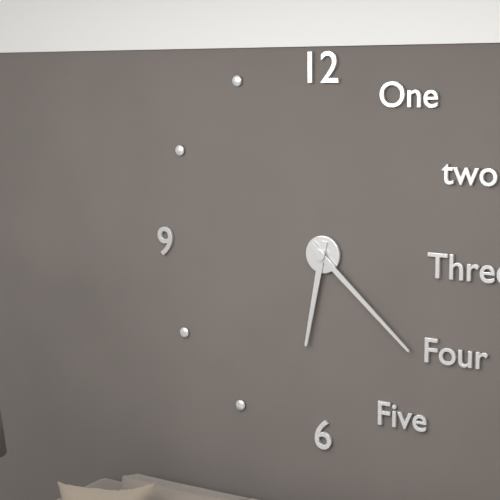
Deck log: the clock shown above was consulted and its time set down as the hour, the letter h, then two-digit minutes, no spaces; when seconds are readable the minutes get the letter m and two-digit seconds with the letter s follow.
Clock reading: 6h22
